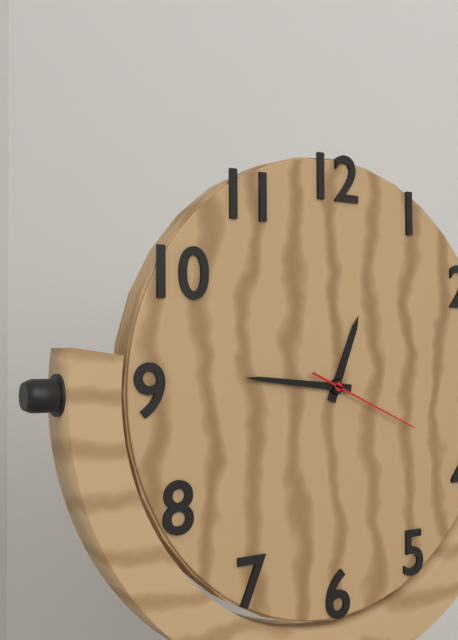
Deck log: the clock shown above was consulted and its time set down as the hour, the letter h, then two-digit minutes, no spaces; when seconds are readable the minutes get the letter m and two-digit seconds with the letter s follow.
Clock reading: 12h46m19s
